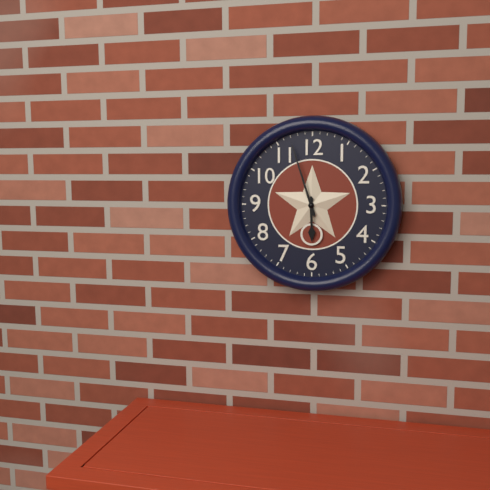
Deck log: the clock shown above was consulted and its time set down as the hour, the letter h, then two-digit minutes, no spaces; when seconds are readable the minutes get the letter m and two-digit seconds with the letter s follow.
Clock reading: 5h57
